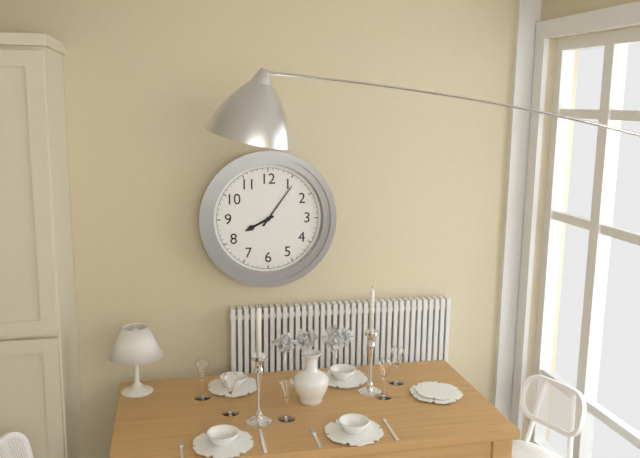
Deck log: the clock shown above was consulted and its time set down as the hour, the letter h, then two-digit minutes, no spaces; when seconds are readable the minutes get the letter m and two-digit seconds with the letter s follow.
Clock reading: 8h06
